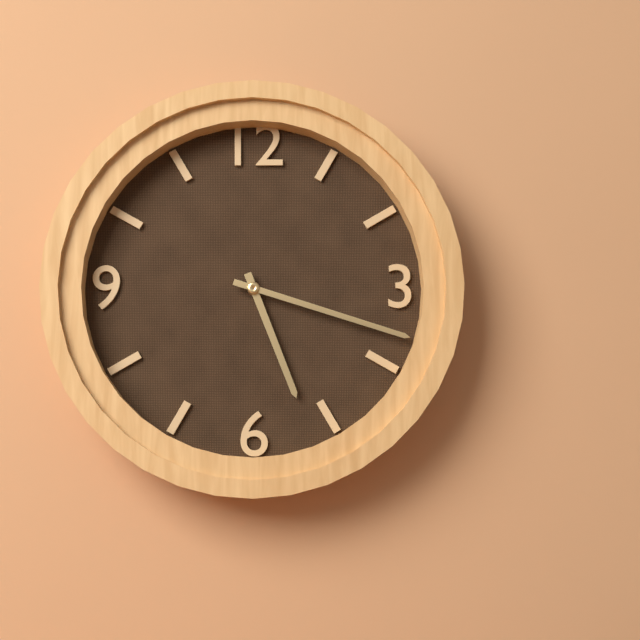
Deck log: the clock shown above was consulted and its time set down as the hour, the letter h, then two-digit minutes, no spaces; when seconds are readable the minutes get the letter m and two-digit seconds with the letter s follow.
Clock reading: 5h18
